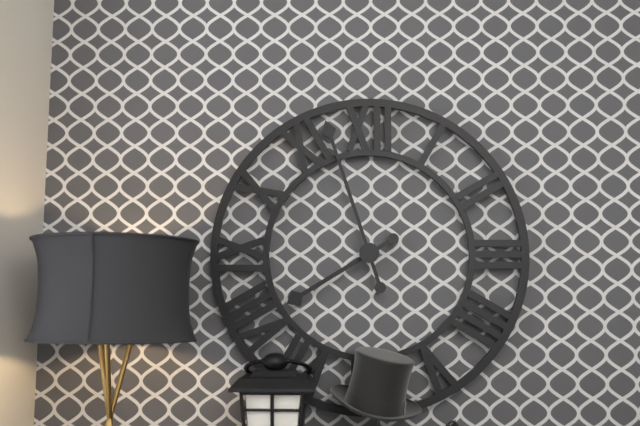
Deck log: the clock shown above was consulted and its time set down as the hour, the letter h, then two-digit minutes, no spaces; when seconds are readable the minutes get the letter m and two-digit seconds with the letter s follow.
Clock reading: 7h57
